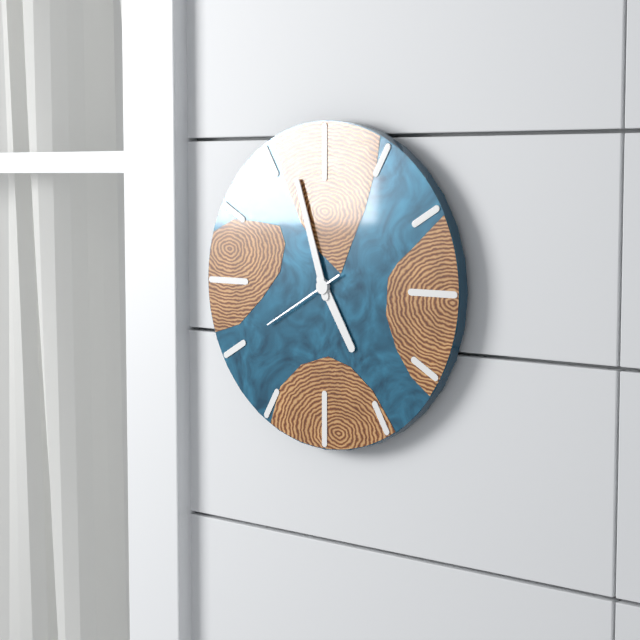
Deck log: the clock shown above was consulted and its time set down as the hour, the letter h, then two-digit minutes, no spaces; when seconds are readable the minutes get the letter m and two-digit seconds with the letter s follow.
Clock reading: 4h57m40s
